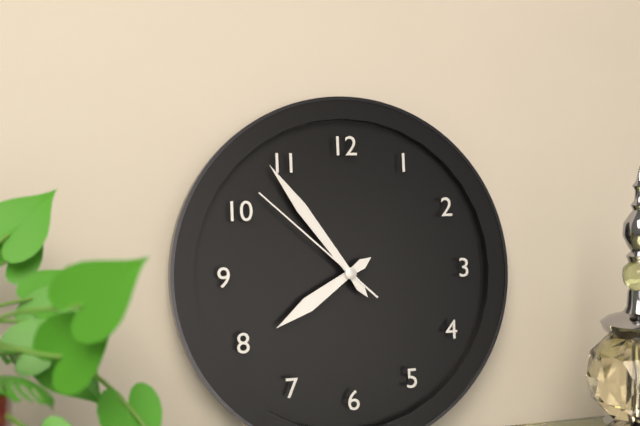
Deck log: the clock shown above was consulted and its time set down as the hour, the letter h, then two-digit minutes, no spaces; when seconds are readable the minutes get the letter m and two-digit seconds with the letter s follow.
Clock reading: 7h54m52s
